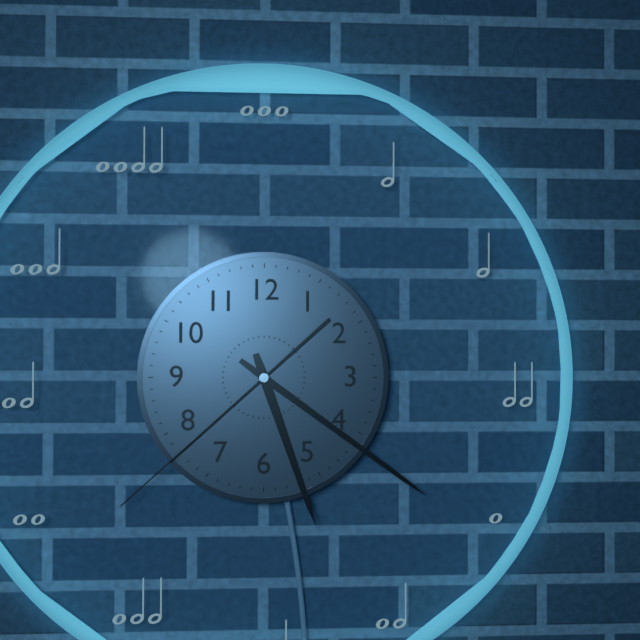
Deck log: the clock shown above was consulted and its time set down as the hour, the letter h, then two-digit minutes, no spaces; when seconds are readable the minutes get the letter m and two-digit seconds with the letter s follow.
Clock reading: 5h21m38s
